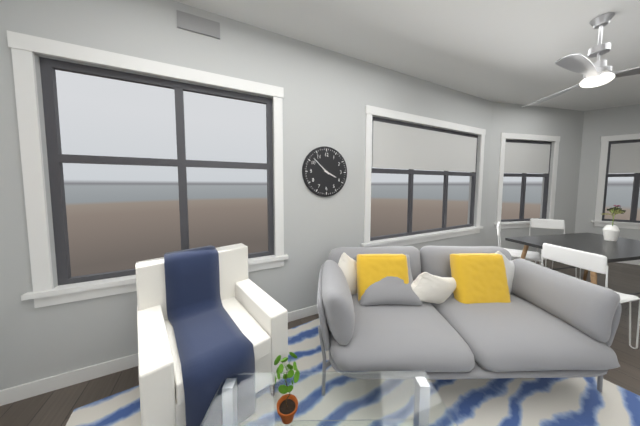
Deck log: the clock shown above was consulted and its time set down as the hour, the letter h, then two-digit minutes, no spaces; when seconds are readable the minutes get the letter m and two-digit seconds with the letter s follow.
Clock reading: 3h52
